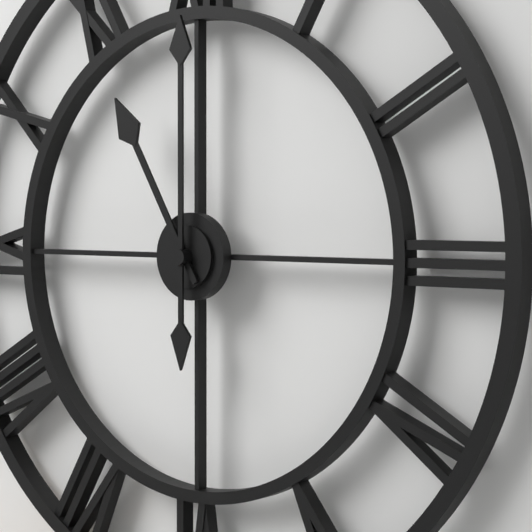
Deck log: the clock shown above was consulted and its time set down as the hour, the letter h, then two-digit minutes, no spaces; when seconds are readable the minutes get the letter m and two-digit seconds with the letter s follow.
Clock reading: 11h00
